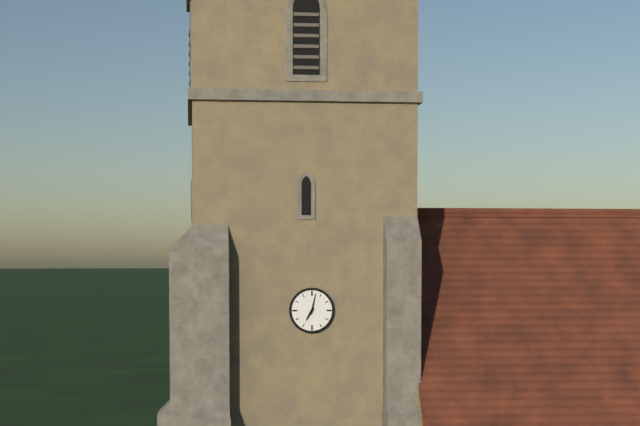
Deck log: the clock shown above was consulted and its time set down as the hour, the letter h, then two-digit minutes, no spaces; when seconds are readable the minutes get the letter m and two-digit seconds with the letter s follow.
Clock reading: 7h02
